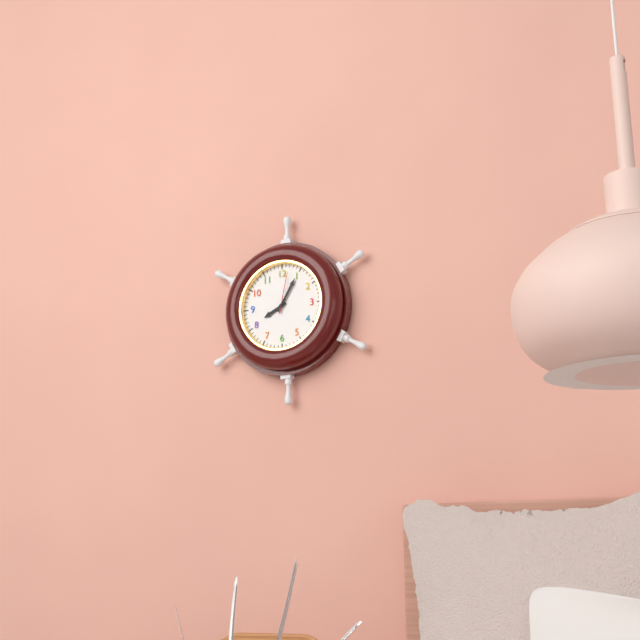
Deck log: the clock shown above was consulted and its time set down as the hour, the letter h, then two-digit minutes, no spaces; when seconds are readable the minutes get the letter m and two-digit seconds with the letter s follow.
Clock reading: 8h05
